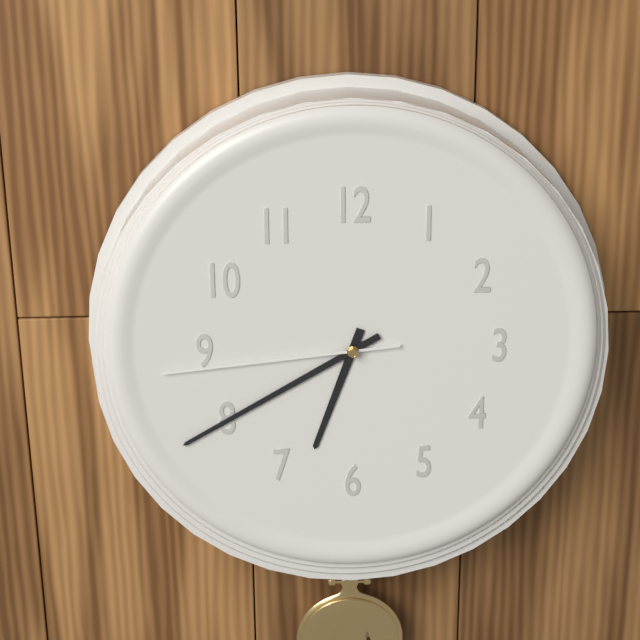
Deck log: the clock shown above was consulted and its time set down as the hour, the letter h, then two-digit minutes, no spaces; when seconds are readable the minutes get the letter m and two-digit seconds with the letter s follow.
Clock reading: 6h40m44s
